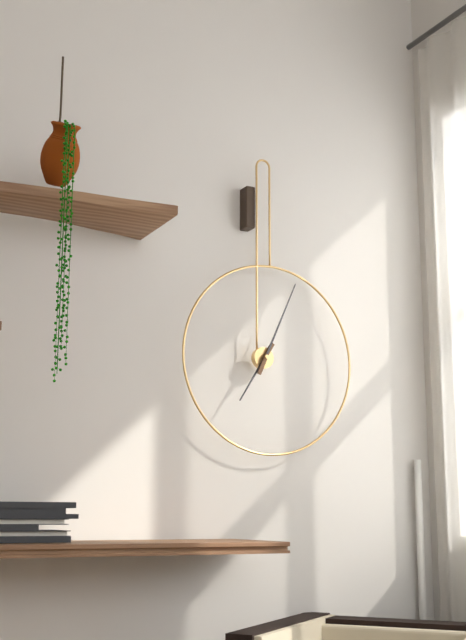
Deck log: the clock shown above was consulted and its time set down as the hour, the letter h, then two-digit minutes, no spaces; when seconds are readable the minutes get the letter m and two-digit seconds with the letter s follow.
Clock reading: 7h04
